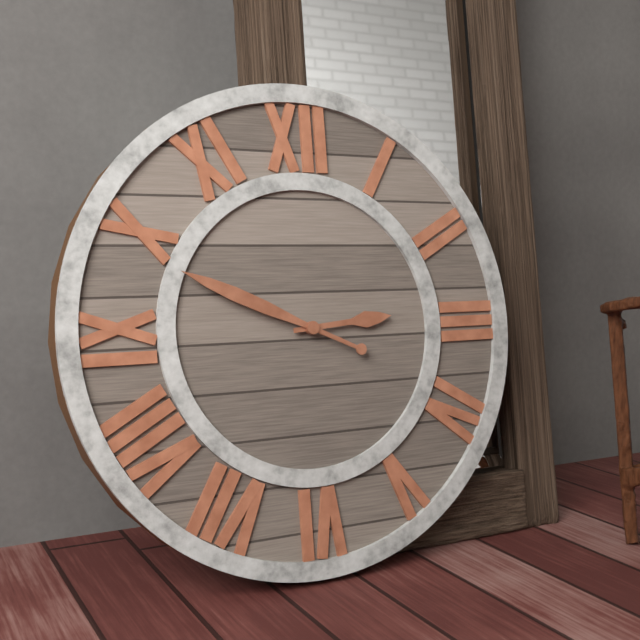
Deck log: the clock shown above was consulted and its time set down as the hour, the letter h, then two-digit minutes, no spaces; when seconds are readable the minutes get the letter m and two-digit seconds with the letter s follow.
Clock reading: 2h49
